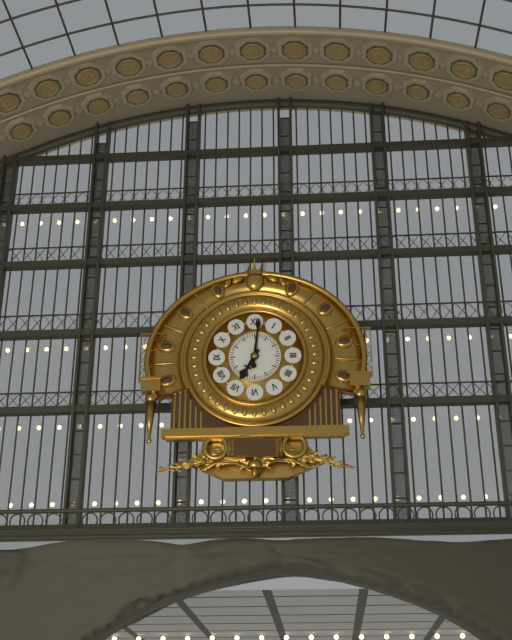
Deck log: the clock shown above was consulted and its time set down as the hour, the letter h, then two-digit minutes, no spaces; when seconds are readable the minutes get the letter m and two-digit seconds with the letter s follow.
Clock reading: 7h01
